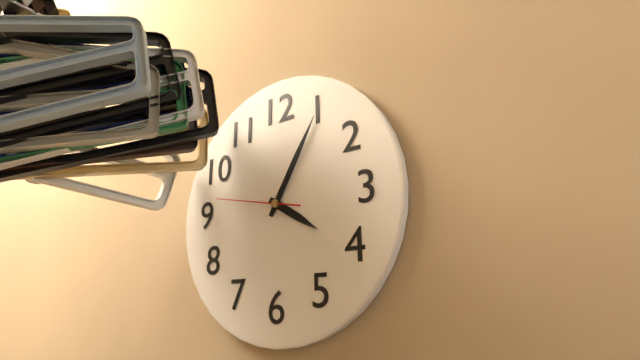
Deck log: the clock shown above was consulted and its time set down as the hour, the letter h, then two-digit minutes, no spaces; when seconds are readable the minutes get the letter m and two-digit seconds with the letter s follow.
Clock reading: 4h05m47s
